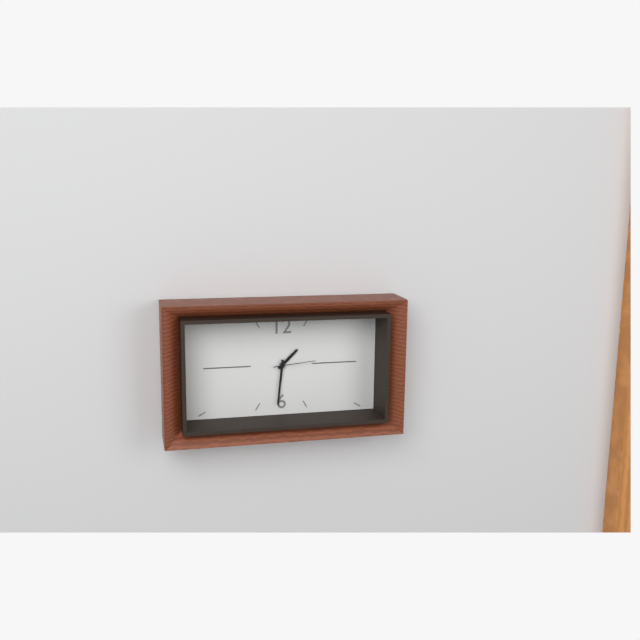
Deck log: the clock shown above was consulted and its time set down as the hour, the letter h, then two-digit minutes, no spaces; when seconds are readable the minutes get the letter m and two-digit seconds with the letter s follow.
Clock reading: 1h31
